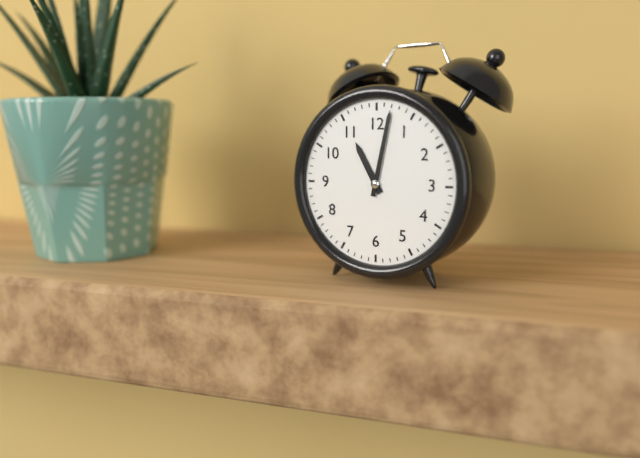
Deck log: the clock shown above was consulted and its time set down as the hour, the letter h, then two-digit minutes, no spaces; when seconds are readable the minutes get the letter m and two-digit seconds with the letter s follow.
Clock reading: 11h02
